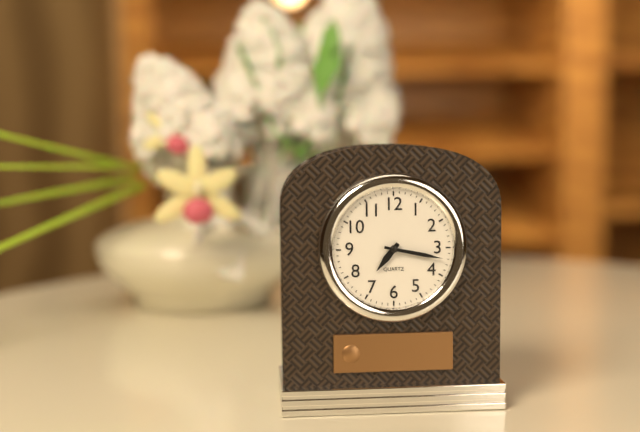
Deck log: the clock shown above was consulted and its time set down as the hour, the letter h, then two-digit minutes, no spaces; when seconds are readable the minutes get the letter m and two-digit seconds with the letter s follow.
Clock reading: 7h17
